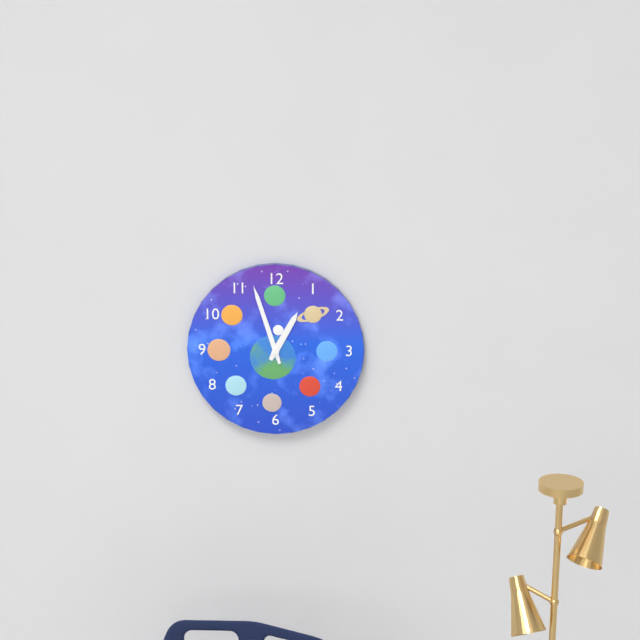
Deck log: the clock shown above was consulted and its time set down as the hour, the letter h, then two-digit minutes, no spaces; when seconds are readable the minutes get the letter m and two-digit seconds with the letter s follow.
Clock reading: 12h57
